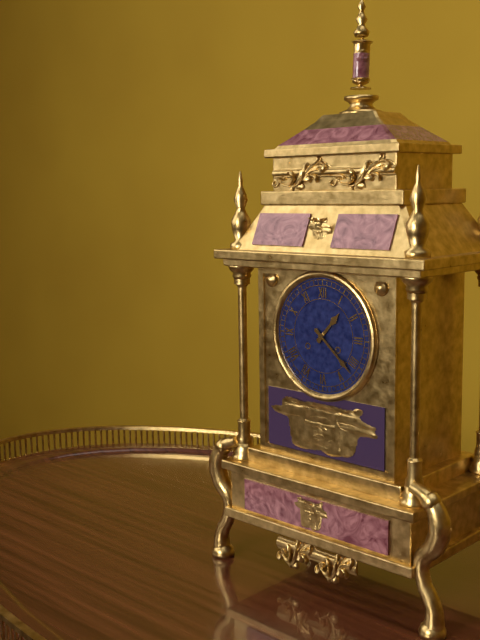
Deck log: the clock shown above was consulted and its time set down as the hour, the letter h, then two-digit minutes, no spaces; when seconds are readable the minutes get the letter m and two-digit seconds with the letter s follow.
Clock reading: 1h22
